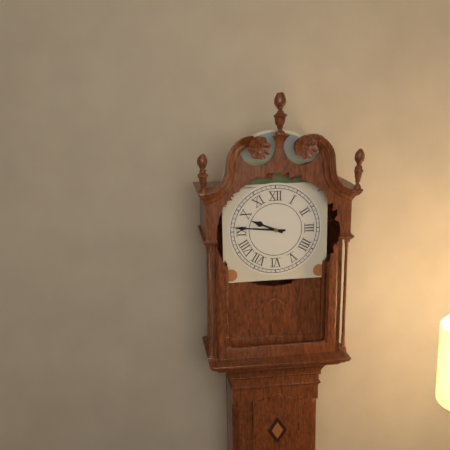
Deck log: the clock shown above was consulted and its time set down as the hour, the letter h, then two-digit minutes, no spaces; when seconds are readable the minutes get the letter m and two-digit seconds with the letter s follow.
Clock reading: 9h46
